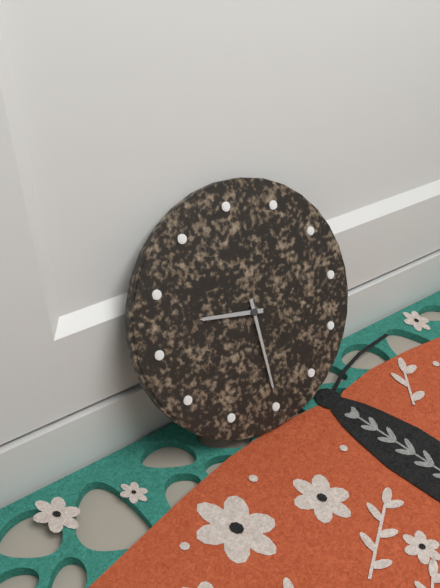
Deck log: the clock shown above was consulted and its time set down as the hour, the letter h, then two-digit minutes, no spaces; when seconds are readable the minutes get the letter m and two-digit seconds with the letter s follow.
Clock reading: 9h30
